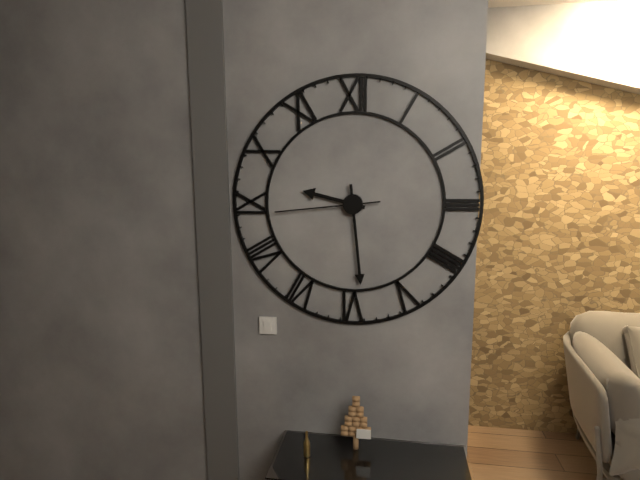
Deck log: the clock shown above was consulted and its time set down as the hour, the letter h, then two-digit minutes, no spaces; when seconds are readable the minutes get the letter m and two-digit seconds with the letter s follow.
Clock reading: 9h29m44s
